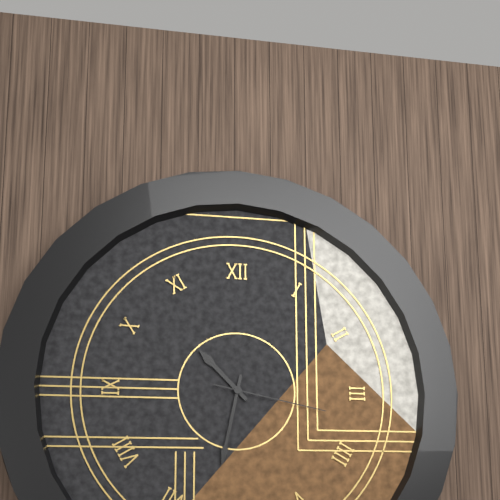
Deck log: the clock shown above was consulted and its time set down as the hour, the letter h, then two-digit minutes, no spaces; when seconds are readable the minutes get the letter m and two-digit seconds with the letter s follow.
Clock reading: 10h32m17s
